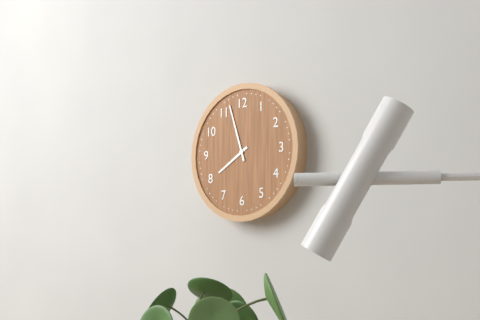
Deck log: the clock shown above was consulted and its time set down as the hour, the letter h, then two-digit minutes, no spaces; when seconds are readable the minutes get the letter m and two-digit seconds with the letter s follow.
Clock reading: 7h57
